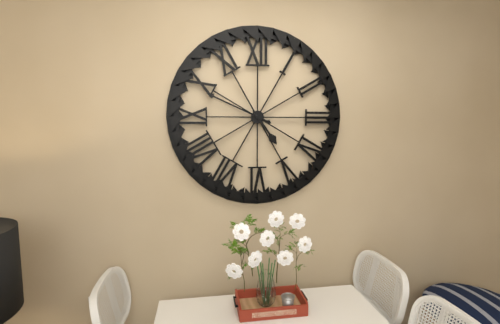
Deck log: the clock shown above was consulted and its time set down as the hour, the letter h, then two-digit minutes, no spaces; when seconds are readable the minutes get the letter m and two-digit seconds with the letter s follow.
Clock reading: 4h49
